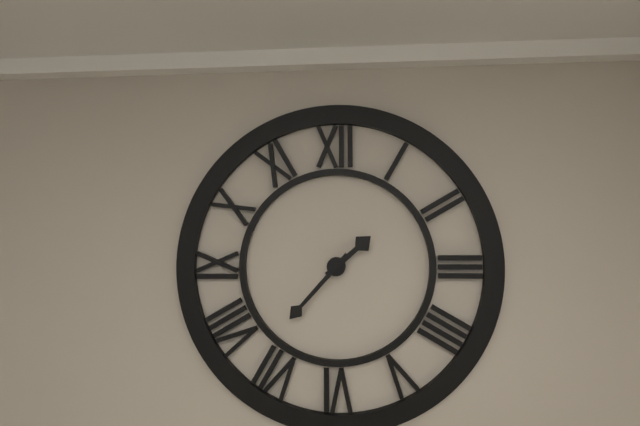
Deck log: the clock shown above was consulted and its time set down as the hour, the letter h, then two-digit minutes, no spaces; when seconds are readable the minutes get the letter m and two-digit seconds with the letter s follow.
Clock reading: 1h37
